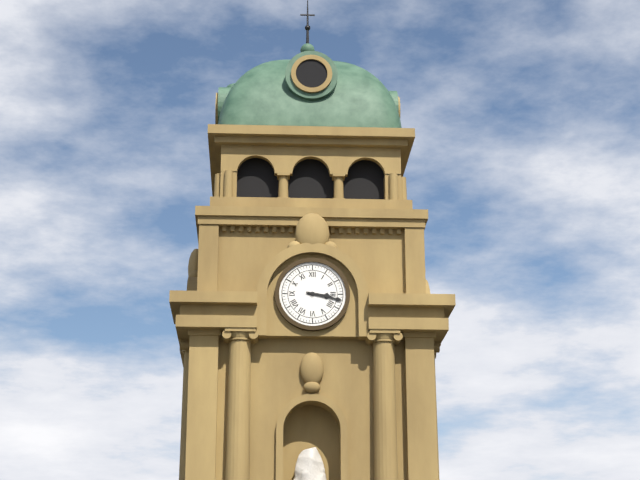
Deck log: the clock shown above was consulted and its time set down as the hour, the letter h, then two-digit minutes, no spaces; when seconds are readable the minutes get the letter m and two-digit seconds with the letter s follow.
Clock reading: 3h17
